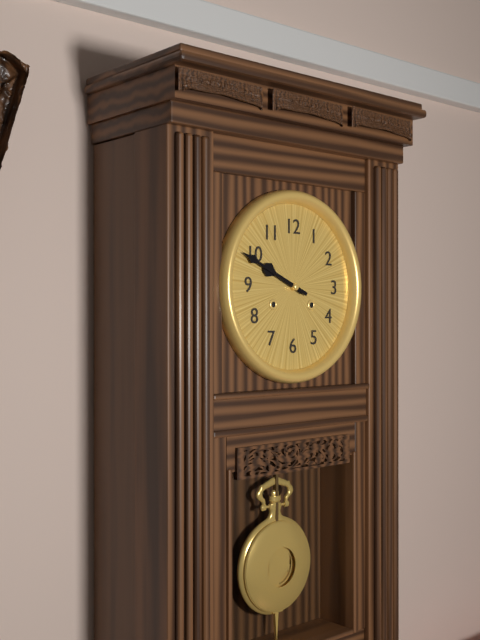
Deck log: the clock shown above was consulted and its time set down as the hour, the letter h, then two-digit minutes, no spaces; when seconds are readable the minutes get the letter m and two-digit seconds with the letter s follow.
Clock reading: 9h49
